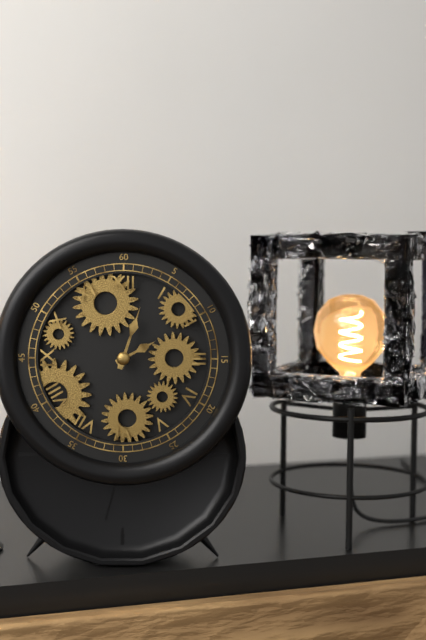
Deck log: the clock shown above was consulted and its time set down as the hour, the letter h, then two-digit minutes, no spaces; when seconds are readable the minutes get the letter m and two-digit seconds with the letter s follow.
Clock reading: 2h03
